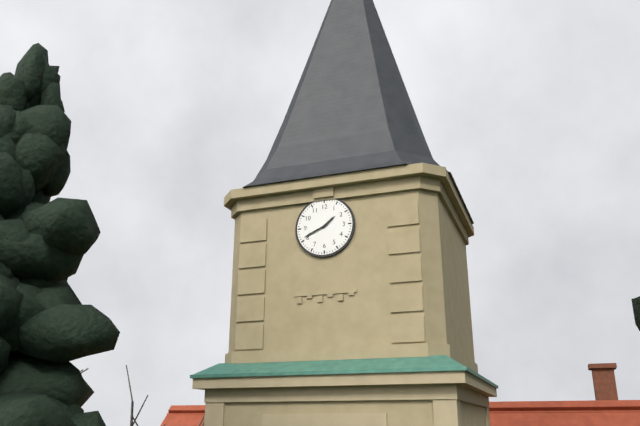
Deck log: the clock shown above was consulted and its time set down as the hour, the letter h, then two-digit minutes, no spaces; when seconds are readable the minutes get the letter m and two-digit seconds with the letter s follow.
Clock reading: 1h41
